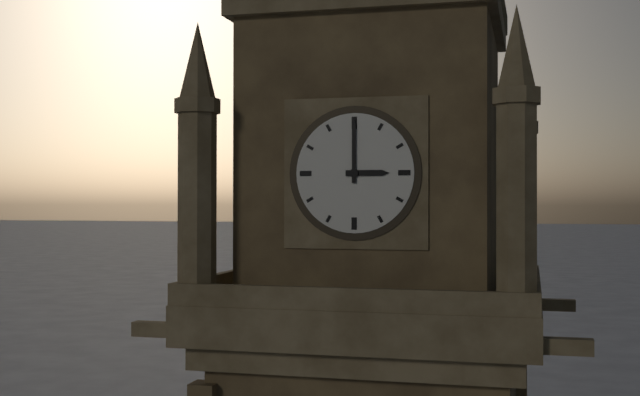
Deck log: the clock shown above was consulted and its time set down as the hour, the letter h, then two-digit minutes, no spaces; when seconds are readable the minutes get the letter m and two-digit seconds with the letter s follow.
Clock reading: 3h00
